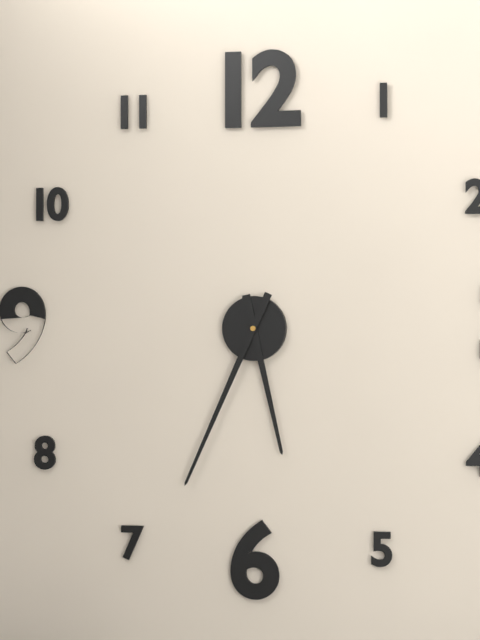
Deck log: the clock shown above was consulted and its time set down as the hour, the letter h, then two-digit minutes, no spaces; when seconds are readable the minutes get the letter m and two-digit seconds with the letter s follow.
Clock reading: 5h34
